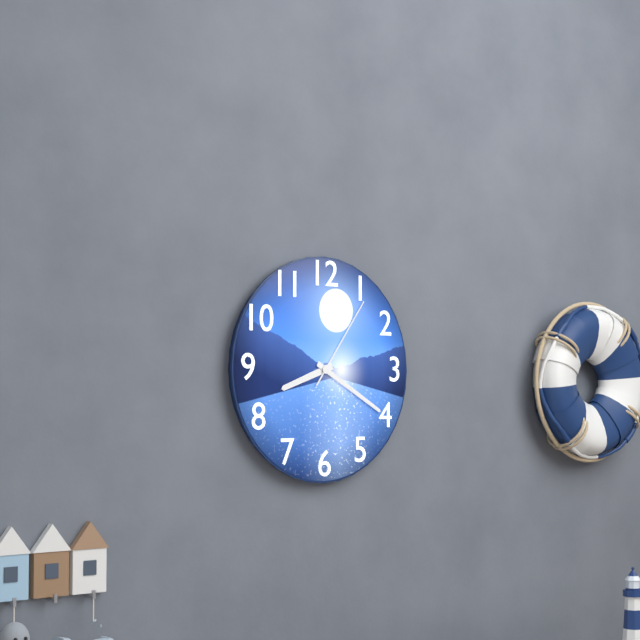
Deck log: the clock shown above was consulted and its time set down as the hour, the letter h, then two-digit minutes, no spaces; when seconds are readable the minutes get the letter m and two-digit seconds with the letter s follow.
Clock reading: 8h20m06s
